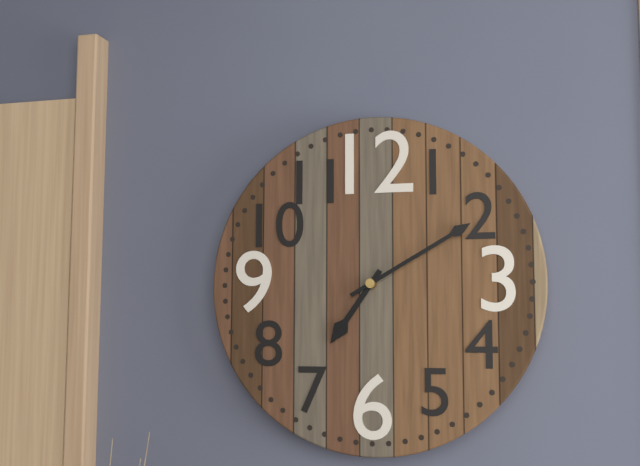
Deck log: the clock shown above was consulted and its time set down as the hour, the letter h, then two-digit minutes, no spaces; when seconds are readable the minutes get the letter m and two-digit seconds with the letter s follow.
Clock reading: 7h10
